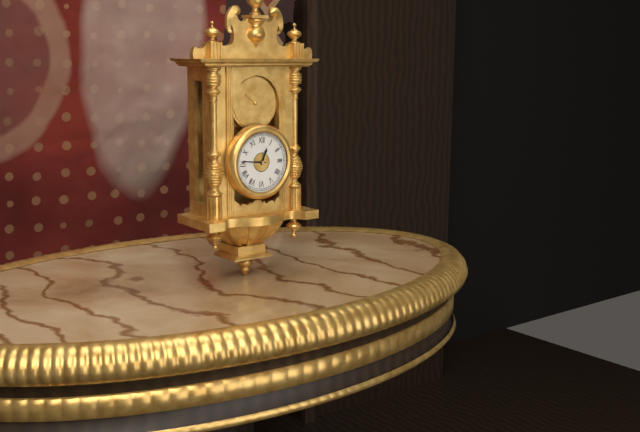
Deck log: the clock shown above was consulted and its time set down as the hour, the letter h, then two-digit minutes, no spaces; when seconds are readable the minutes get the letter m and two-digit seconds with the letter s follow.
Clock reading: 12h46
